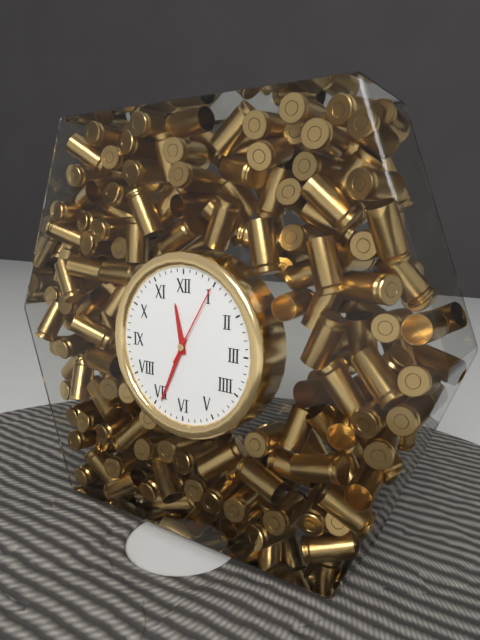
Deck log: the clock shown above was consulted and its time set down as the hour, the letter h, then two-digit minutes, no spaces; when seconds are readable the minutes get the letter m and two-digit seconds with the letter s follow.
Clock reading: 11h34m05s
